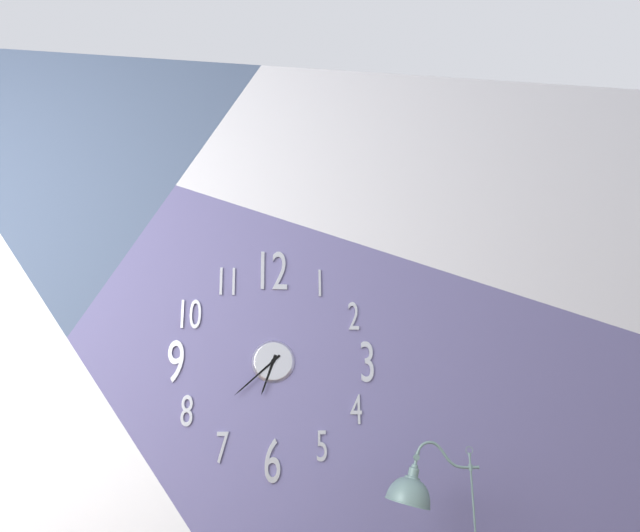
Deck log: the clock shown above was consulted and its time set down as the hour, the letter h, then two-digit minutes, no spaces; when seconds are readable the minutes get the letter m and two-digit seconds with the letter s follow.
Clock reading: 6h38
